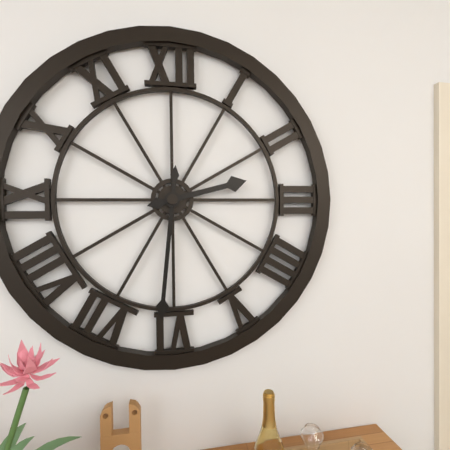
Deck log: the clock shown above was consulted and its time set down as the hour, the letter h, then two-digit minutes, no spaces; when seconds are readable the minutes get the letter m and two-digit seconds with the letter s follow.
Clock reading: 2h31
